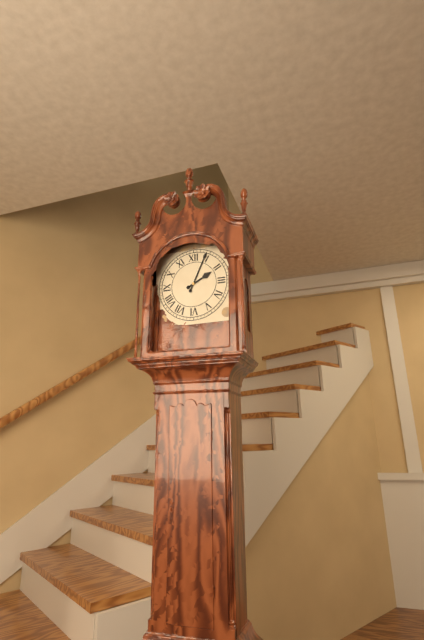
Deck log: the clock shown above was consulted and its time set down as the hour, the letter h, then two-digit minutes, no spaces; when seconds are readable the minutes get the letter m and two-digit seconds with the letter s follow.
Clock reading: 2h04
